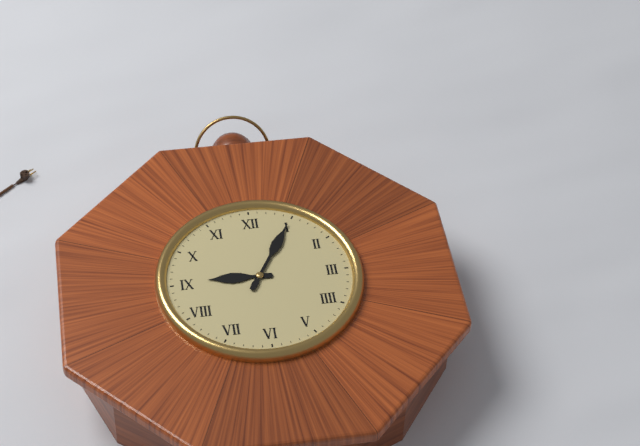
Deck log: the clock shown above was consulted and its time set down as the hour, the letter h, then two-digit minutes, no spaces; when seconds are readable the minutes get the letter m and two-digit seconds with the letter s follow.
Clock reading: 9h05
